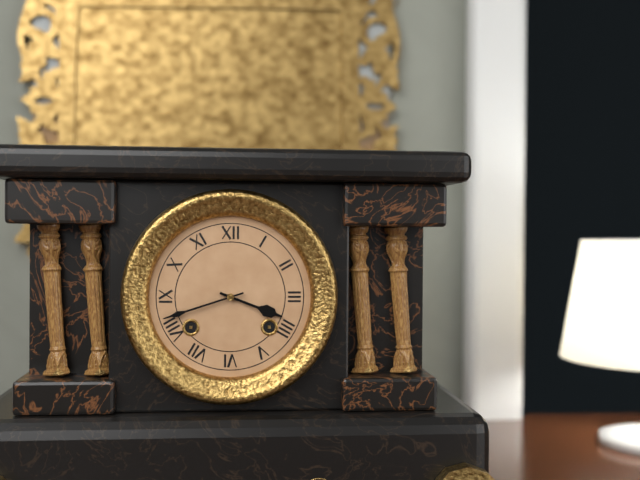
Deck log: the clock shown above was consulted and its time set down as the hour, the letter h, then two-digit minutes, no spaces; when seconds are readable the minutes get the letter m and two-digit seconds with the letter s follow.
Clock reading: 3h42
